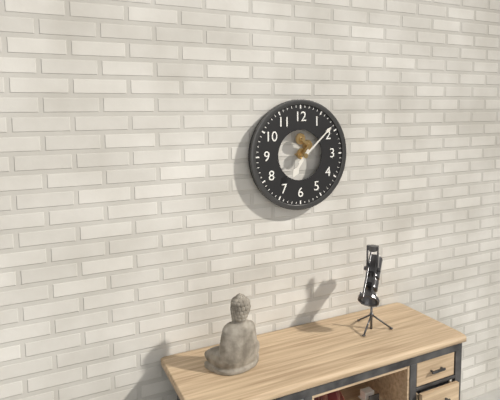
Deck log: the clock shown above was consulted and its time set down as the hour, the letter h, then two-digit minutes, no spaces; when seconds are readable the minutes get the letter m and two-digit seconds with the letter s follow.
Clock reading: 7h08
